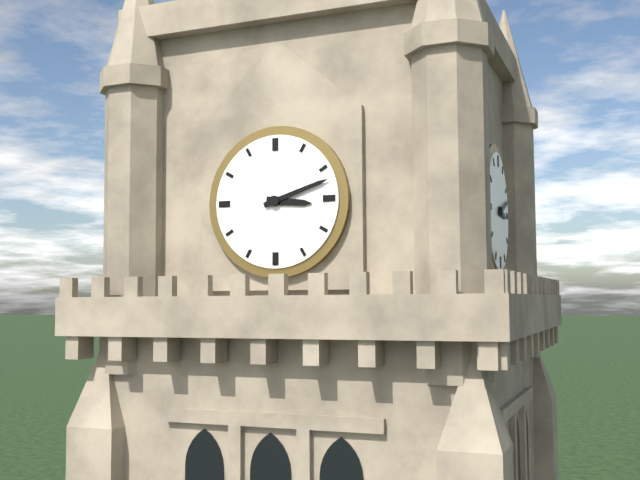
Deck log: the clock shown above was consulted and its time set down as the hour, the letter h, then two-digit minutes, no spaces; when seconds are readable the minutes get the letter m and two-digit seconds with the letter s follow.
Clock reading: 3h12
